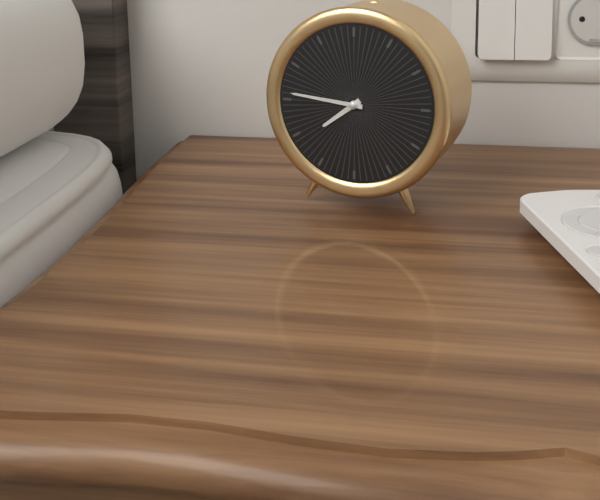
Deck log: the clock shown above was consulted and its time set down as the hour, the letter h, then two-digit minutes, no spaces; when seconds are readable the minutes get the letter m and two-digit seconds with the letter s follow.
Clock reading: 7h46
